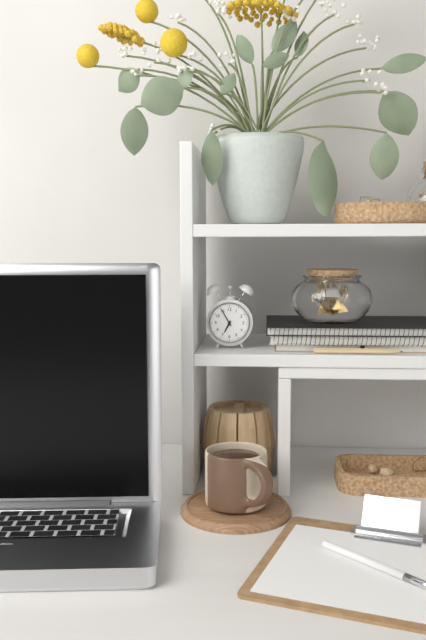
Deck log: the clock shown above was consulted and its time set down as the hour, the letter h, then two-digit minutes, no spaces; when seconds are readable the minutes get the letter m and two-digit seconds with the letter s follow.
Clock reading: 6h55
